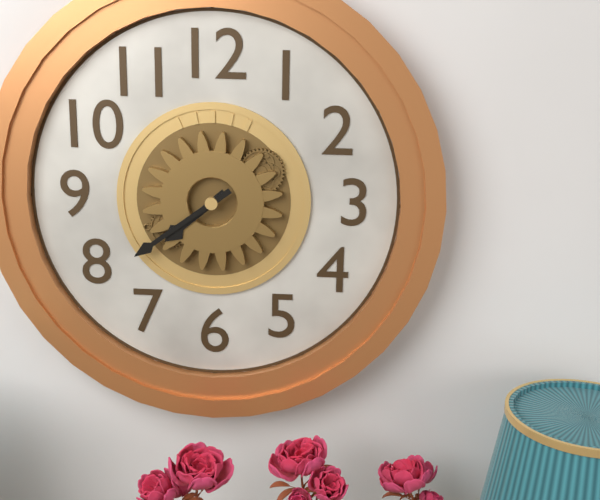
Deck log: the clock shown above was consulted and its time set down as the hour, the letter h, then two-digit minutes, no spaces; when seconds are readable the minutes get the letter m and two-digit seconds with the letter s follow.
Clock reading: 7h39
